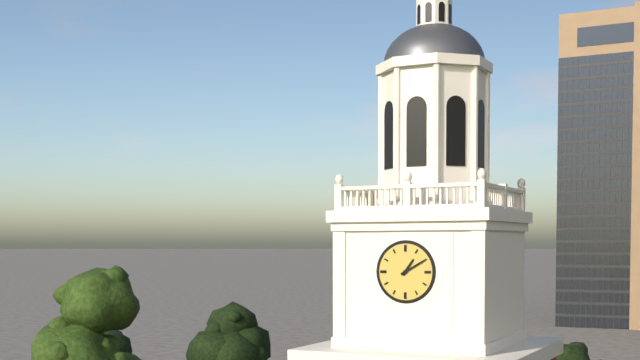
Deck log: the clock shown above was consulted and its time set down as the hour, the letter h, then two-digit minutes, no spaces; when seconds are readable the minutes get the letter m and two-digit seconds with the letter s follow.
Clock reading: 1h10
